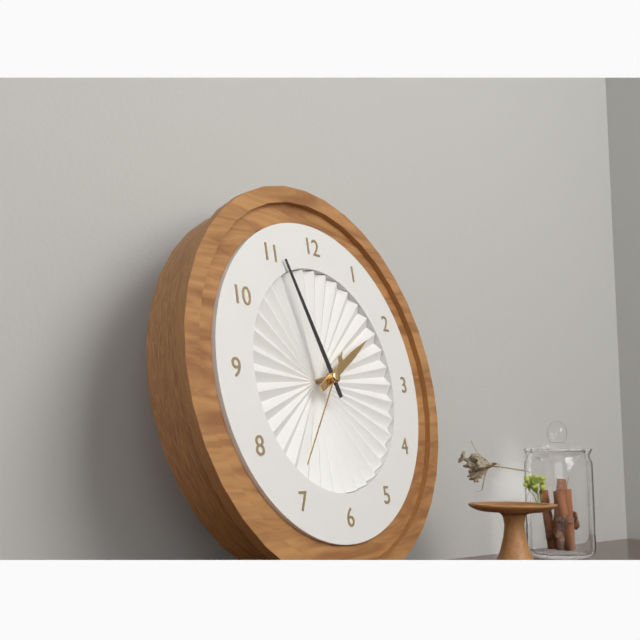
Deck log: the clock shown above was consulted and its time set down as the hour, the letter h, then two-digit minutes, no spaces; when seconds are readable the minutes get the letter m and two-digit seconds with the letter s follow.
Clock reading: 1h56m36s
